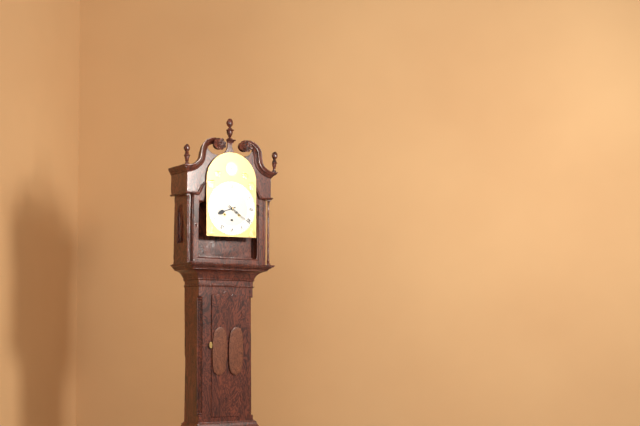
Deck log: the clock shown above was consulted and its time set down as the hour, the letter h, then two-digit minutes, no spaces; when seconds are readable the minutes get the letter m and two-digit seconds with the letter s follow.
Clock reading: 8h21
